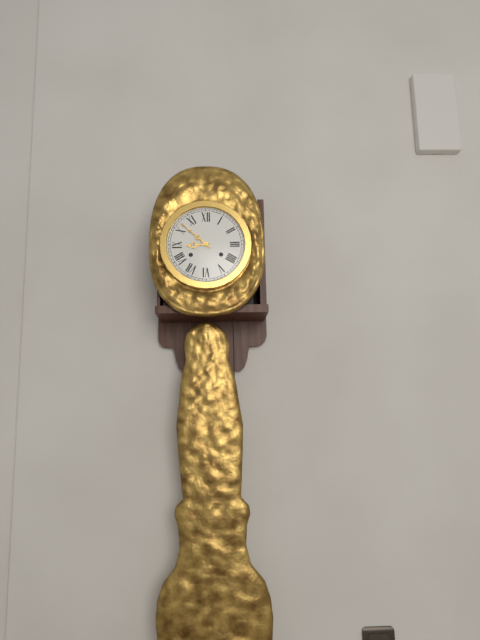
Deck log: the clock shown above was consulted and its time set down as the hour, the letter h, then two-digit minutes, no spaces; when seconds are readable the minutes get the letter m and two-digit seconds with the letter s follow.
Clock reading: 8h52
